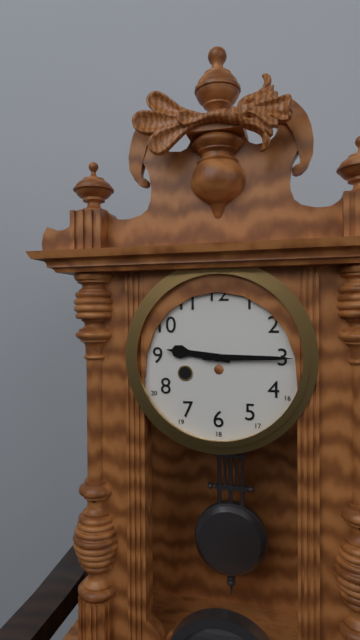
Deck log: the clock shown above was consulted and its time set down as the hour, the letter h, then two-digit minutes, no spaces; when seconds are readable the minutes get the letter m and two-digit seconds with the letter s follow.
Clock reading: 9h15
